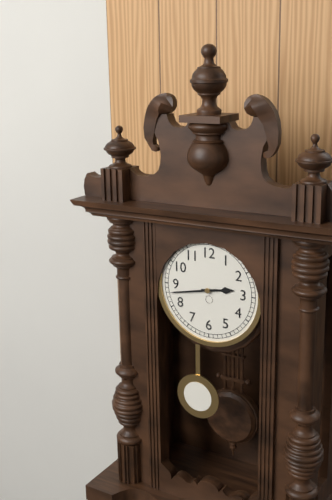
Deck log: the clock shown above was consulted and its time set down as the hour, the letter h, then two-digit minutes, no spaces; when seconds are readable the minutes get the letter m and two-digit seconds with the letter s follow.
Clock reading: 2h43
